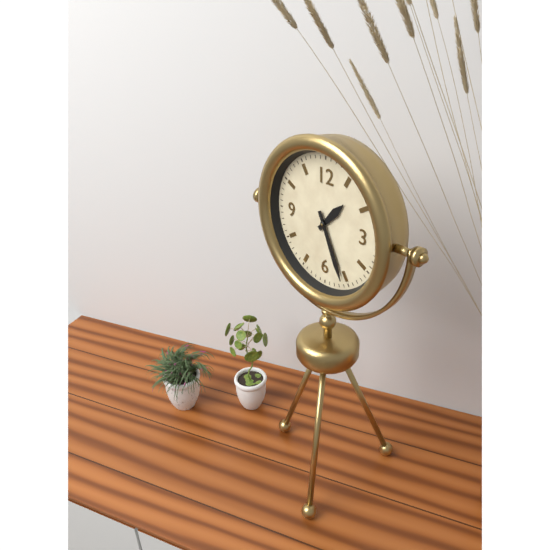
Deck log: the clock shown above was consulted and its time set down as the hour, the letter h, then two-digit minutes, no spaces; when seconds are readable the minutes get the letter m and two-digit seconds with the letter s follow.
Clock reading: 1h26
